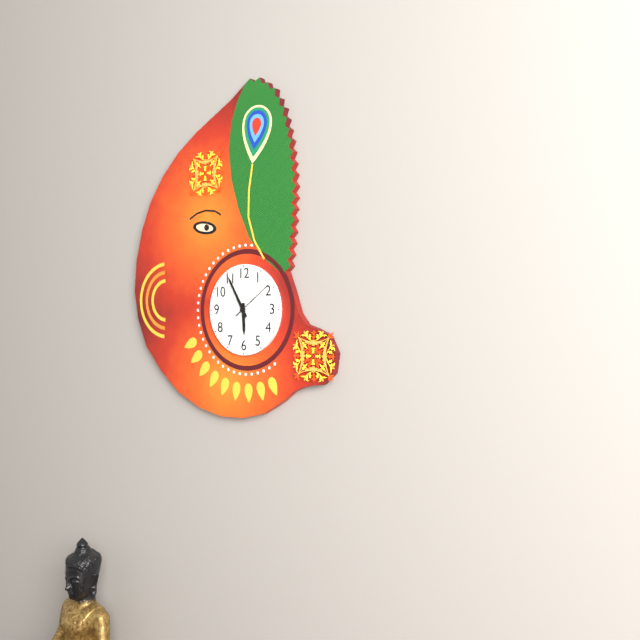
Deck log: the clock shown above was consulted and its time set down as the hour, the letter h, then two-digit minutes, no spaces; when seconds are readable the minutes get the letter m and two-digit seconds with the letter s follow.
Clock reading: 5h55
